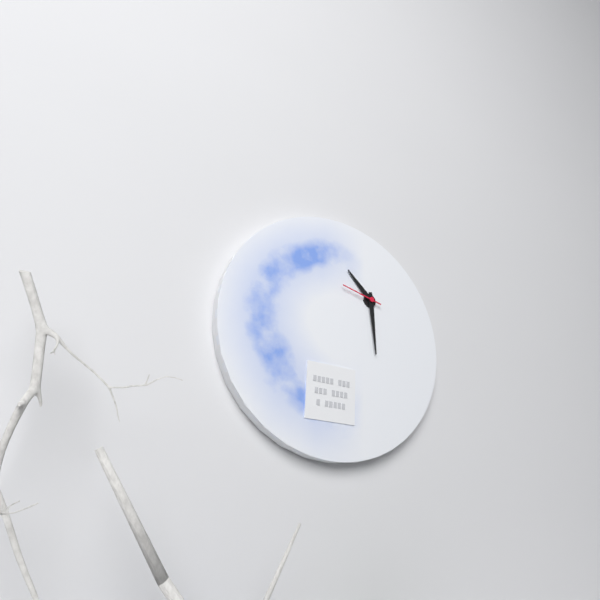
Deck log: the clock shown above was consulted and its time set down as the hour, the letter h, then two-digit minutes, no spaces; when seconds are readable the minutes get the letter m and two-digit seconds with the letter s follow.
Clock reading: 10h29
